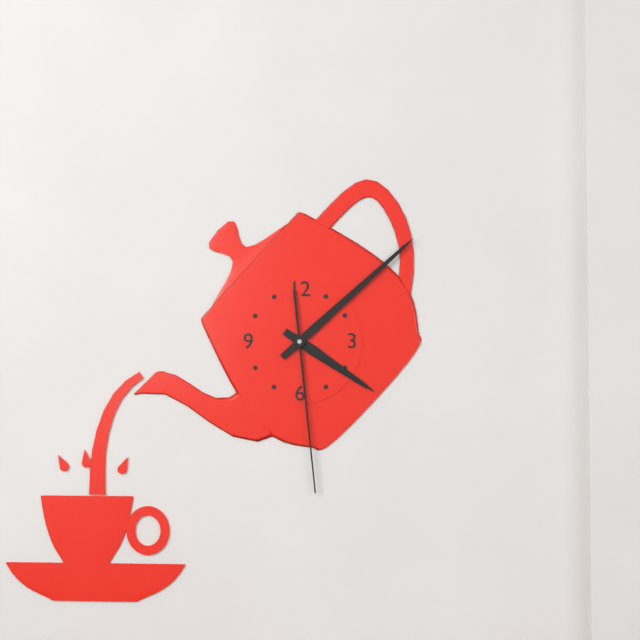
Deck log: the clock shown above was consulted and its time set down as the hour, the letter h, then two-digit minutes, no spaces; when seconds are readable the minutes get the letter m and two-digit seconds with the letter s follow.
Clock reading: 4h08m29s
